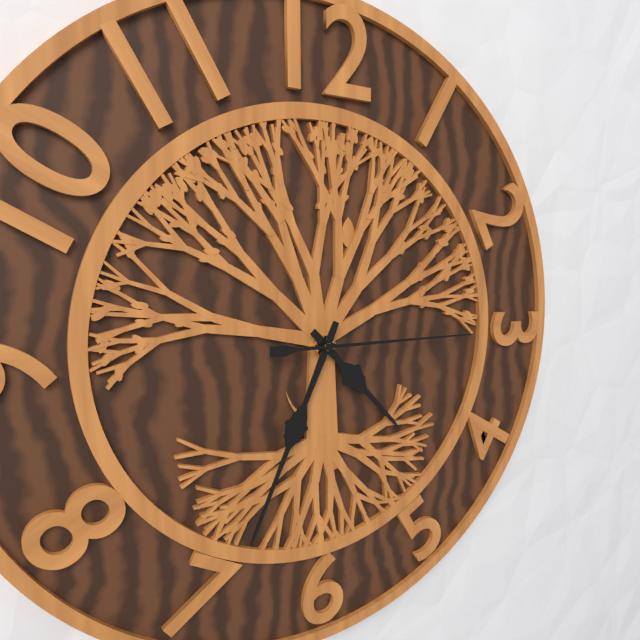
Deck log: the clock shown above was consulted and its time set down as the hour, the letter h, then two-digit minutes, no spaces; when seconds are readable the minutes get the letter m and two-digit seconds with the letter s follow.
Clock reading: 4h34m15s
